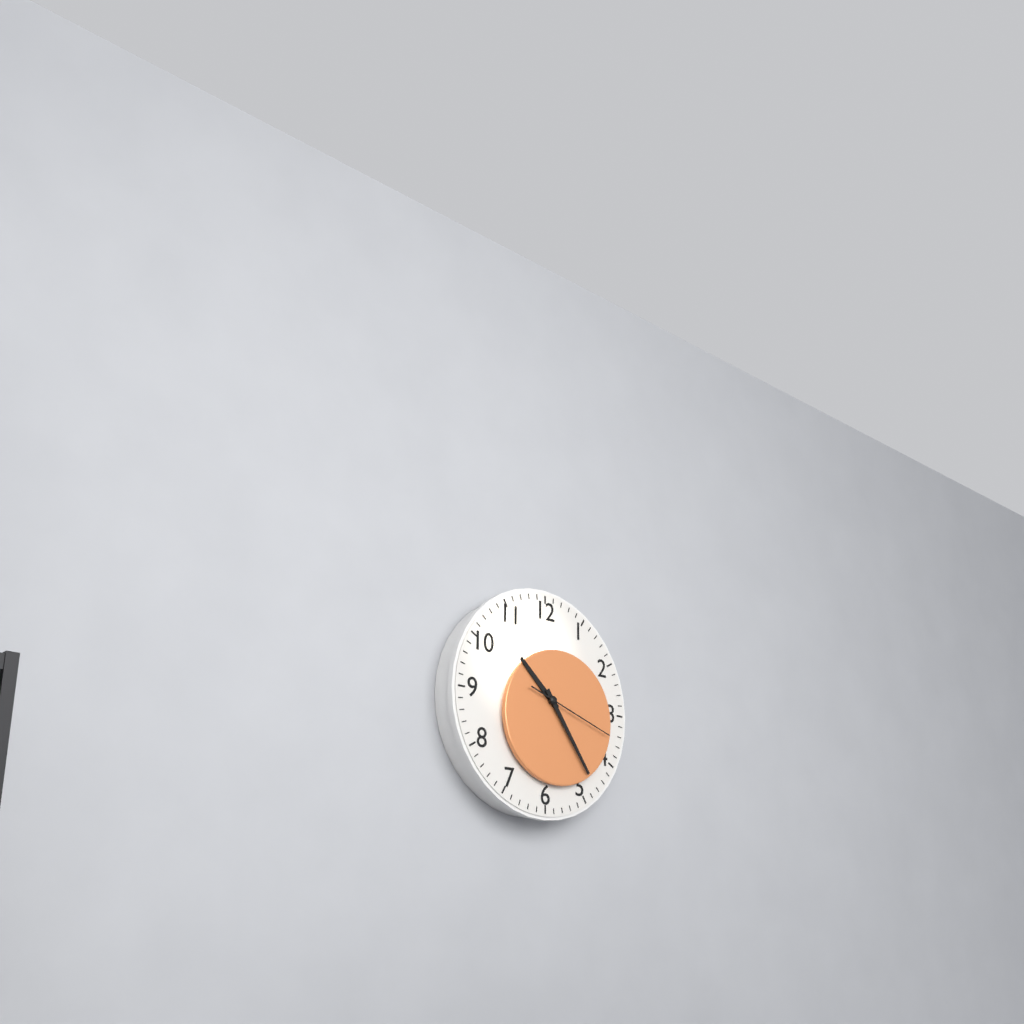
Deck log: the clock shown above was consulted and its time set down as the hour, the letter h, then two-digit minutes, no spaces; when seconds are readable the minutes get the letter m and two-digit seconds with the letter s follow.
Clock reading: 10h24m18s
